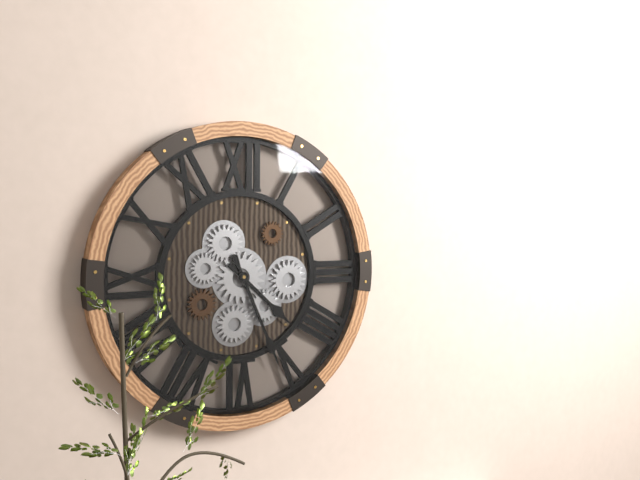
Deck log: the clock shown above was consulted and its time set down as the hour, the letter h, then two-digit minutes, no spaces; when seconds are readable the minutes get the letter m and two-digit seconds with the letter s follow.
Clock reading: 4h26
